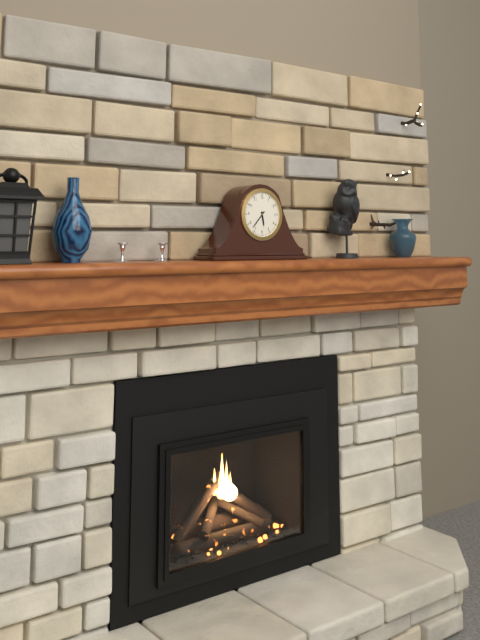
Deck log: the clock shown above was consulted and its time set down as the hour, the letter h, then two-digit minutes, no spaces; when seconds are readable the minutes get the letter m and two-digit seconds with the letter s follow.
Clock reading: 5h37
